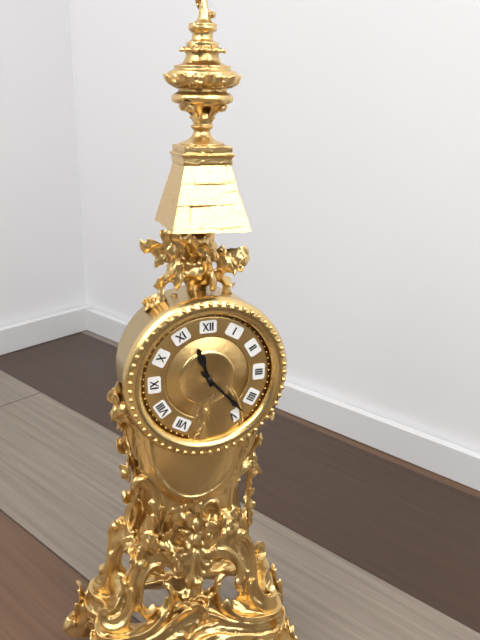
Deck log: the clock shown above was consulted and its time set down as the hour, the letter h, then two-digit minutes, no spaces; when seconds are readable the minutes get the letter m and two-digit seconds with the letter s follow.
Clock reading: 11h23
